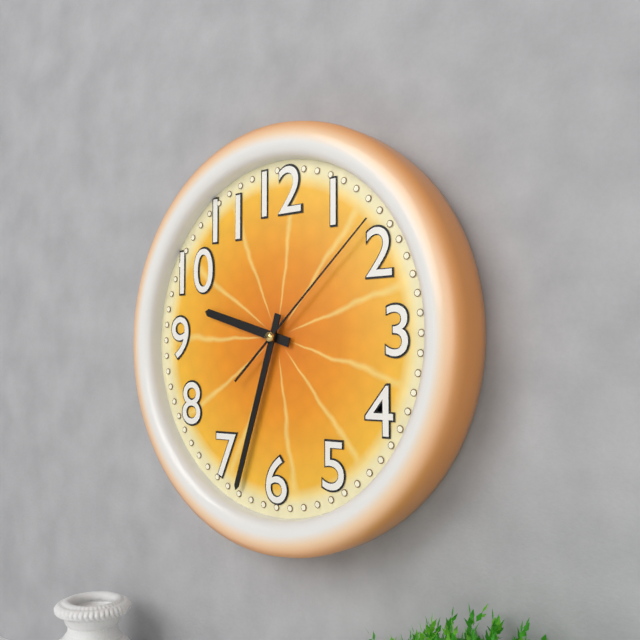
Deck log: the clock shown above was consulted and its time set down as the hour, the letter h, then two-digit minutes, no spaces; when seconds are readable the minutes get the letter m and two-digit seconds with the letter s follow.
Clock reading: 9h33m08s
